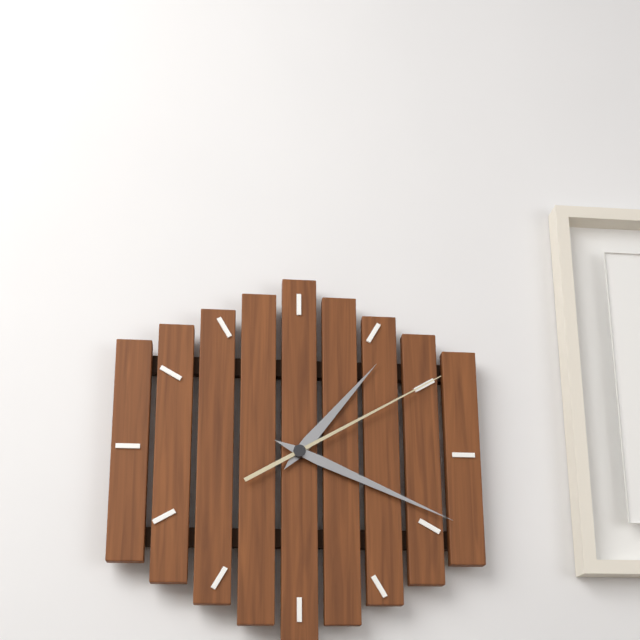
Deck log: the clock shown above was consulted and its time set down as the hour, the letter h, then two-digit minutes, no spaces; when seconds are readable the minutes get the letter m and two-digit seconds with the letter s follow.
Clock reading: 1h19m10s
